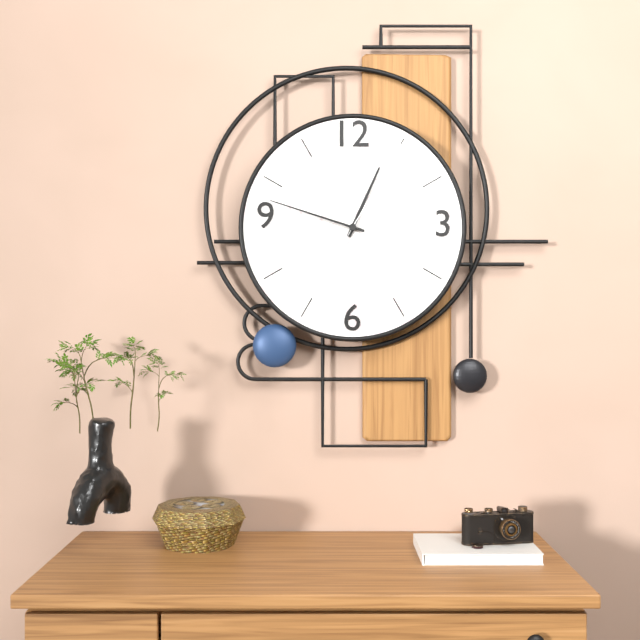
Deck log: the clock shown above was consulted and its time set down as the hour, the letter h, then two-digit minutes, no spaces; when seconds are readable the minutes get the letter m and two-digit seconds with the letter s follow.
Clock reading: 12h48m05s
